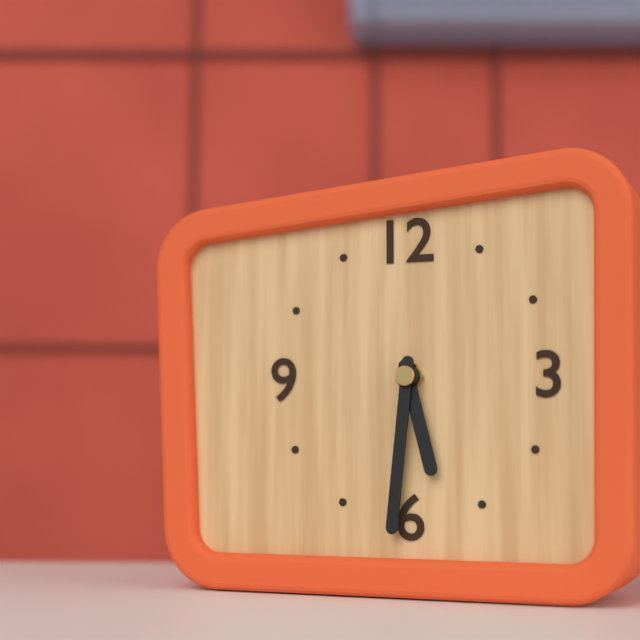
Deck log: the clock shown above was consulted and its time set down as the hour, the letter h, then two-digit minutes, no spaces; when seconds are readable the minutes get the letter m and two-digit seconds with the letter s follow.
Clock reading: 5h31
